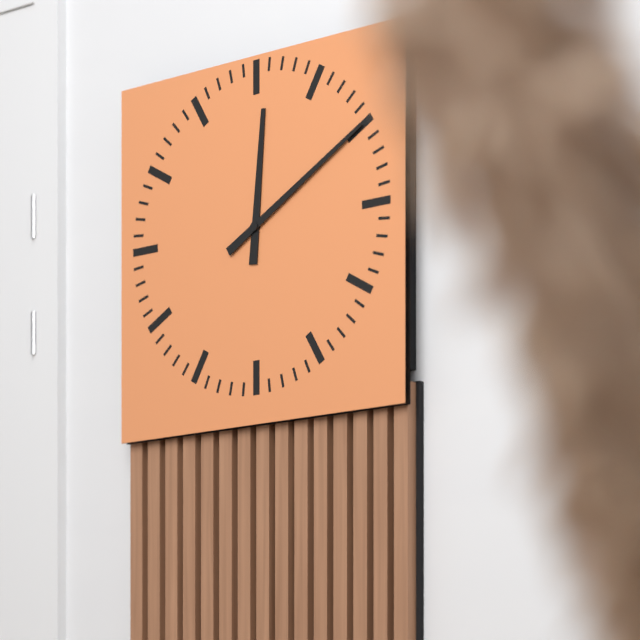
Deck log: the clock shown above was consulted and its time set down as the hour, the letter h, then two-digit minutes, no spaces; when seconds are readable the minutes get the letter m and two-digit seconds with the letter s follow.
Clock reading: 12h10
